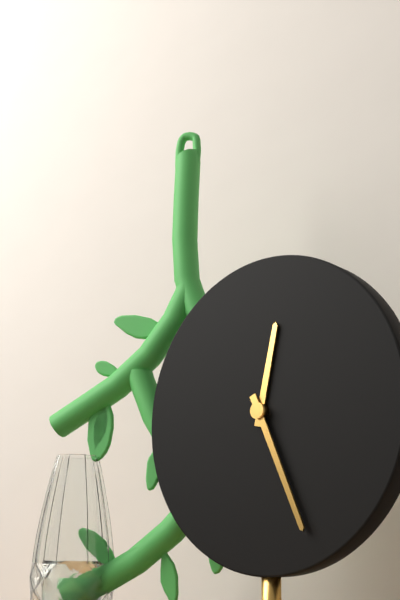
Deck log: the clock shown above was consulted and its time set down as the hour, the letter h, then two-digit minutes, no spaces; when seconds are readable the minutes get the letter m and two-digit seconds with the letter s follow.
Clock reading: 12h26
